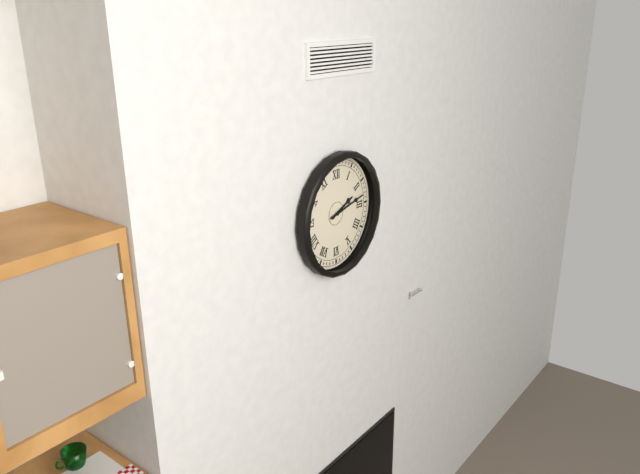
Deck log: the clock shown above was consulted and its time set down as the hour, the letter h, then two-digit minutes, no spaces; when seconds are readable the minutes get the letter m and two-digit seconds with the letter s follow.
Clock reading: 2h13
